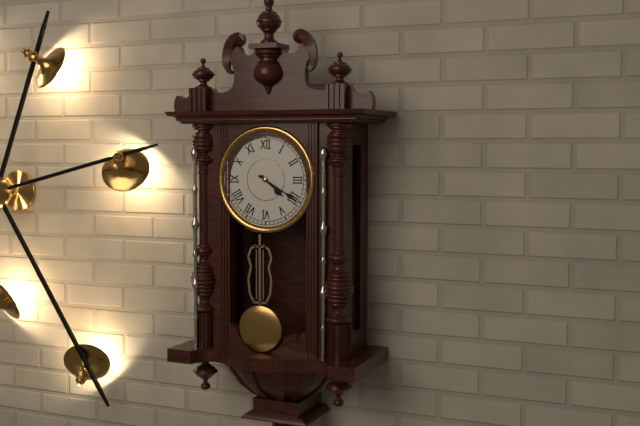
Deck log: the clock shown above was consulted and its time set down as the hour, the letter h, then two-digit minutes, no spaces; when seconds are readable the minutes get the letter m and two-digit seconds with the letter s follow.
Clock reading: 4h20
